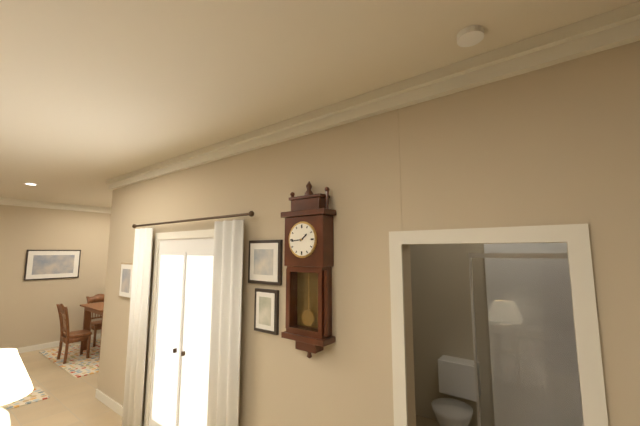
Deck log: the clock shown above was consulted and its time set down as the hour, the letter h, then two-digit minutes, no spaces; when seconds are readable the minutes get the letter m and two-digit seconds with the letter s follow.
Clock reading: 1h44
